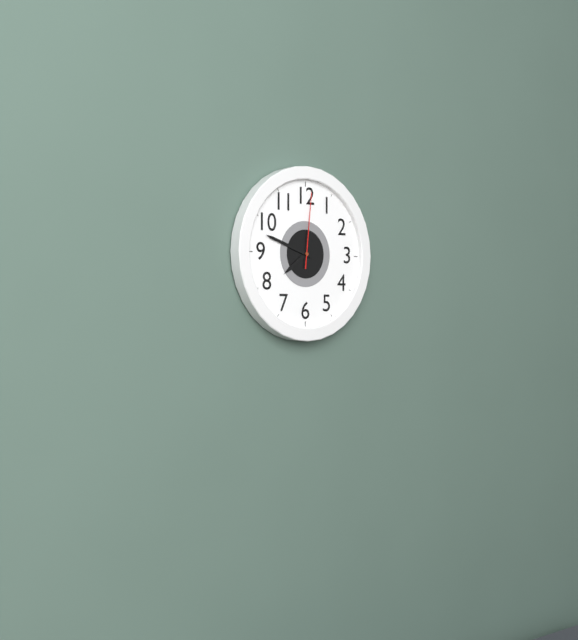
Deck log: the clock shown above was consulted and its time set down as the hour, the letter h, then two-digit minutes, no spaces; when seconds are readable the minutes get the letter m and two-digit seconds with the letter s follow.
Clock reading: 7h48m01s
